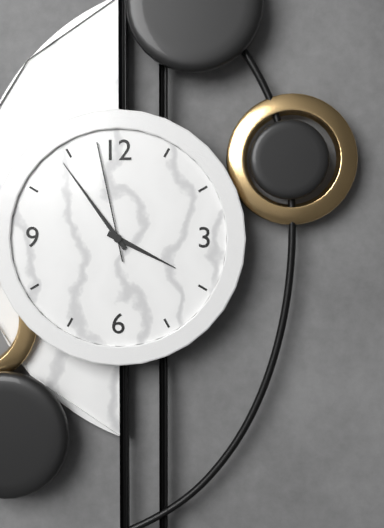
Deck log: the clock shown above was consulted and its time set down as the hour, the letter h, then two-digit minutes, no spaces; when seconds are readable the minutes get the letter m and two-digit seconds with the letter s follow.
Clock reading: 3h54m58s
